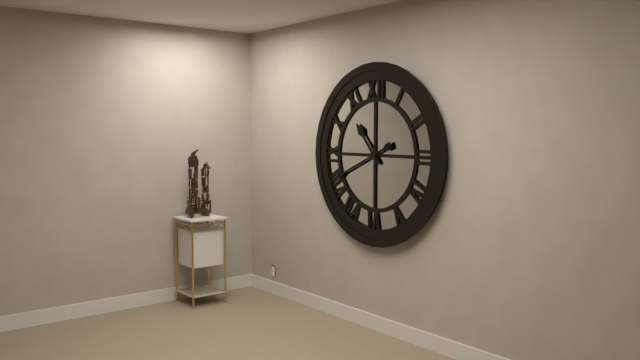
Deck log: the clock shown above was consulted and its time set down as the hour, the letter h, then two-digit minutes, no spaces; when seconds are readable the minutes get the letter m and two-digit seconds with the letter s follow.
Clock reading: 10h41
